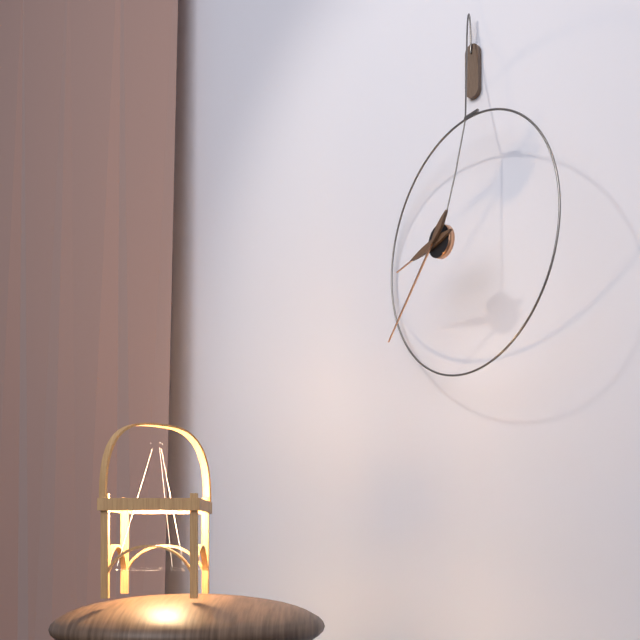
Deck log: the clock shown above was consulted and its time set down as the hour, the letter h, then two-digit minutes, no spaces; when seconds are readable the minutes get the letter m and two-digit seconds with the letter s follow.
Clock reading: 8h37
